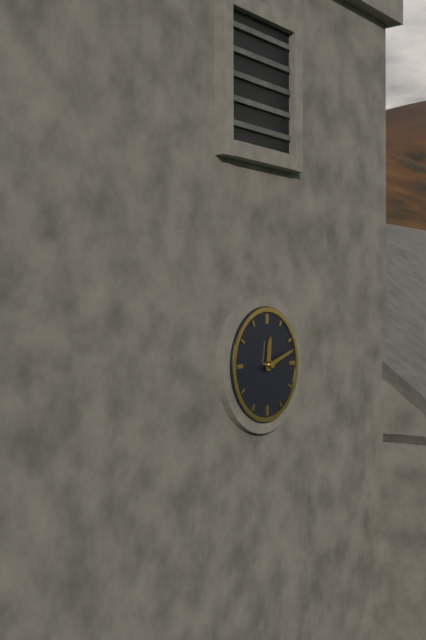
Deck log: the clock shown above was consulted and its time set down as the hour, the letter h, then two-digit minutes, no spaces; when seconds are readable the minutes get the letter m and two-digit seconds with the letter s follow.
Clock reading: 12h12
